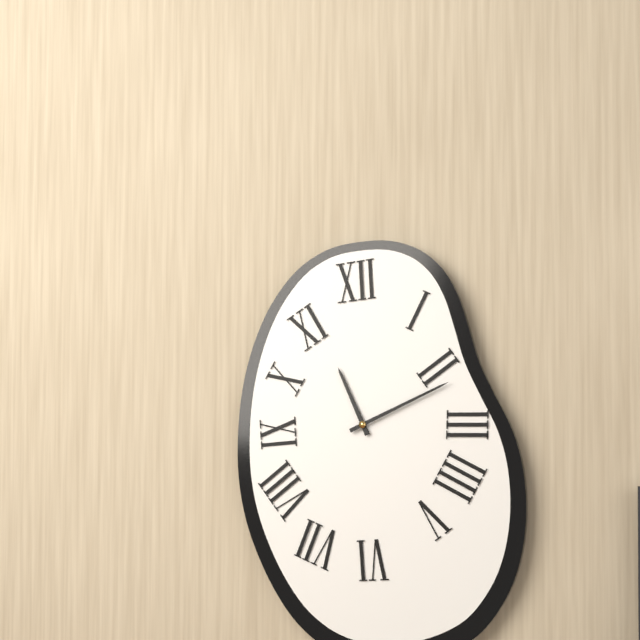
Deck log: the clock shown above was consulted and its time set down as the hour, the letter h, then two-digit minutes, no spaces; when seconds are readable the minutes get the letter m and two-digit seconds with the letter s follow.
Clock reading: 11h11
